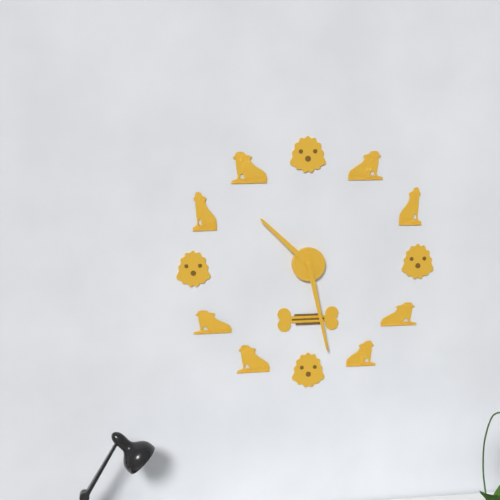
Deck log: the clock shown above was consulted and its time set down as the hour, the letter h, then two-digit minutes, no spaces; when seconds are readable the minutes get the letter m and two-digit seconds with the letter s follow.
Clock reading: 10h28
